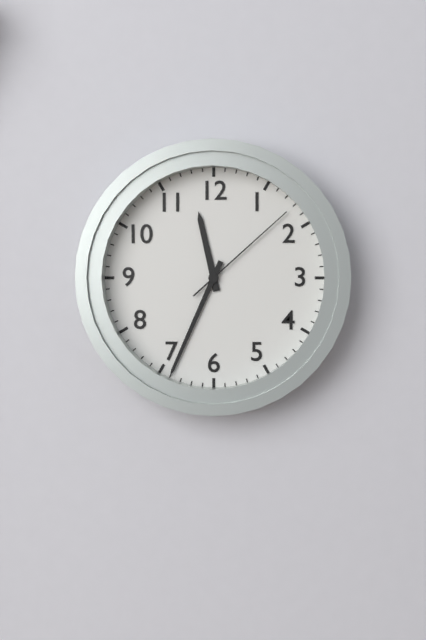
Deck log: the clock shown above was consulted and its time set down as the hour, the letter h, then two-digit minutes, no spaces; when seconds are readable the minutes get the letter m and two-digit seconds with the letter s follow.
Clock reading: 11h34m08s
